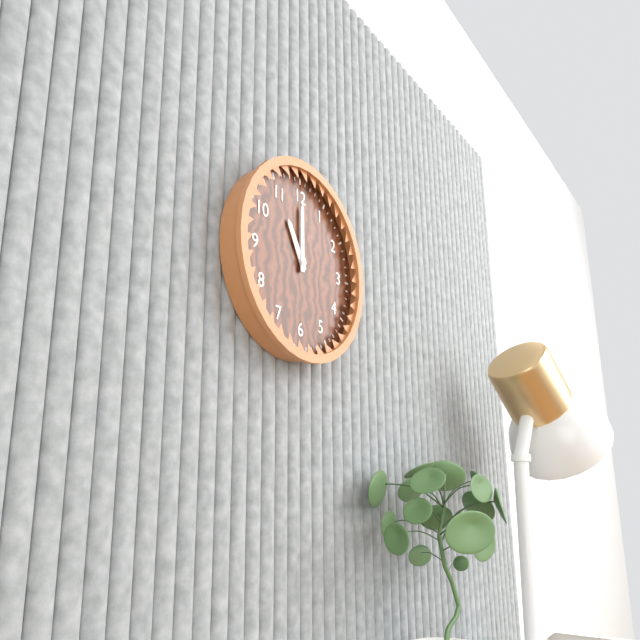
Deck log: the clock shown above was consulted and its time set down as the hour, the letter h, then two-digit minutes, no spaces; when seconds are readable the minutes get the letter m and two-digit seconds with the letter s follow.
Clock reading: 11h00
